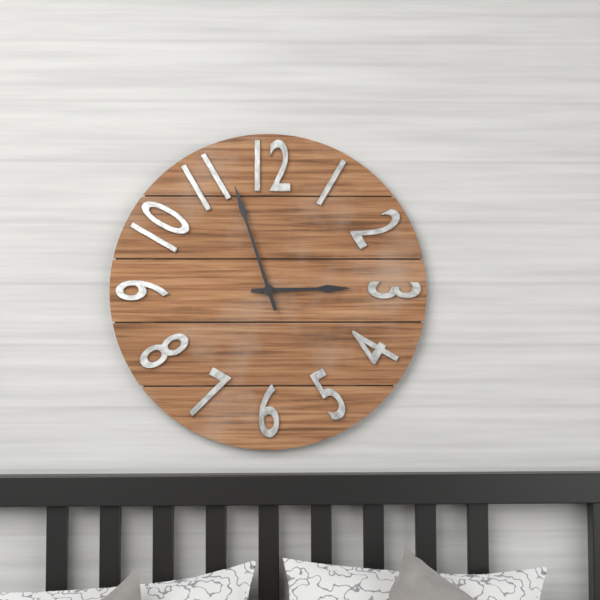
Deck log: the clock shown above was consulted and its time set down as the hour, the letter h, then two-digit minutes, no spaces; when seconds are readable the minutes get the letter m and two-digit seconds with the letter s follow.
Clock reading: 2h57
